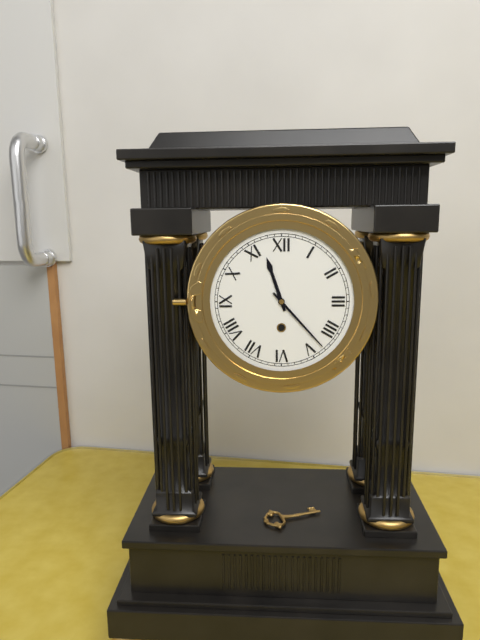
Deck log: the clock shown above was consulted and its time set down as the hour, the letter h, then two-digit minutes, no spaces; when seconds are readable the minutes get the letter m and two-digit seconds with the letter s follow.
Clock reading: 11h23
